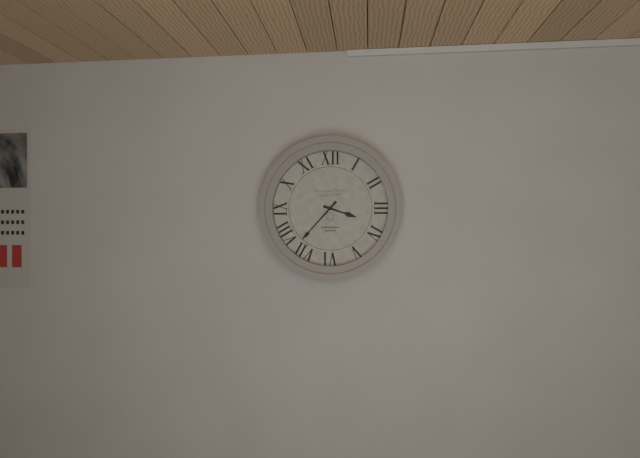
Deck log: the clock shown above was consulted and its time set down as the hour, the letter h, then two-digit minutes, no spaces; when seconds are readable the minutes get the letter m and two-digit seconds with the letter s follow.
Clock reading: 3h37
